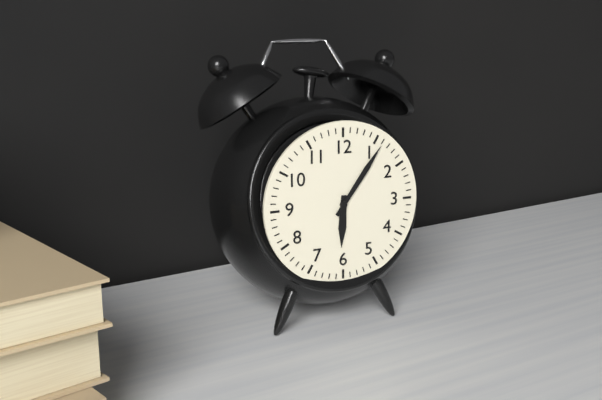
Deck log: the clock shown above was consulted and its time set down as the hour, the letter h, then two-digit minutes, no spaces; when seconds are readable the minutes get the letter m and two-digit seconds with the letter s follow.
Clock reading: 6h06
